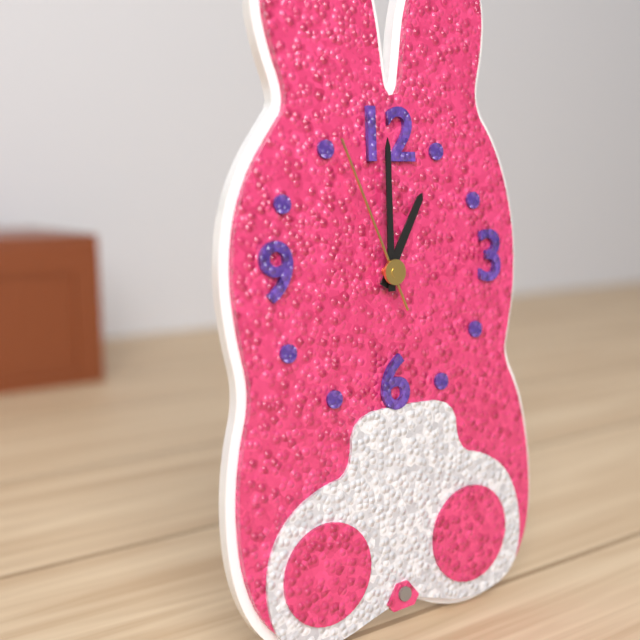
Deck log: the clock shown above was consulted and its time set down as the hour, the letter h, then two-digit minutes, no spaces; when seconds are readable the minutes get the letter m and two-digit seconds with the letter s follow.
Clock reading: 1h00m56s
